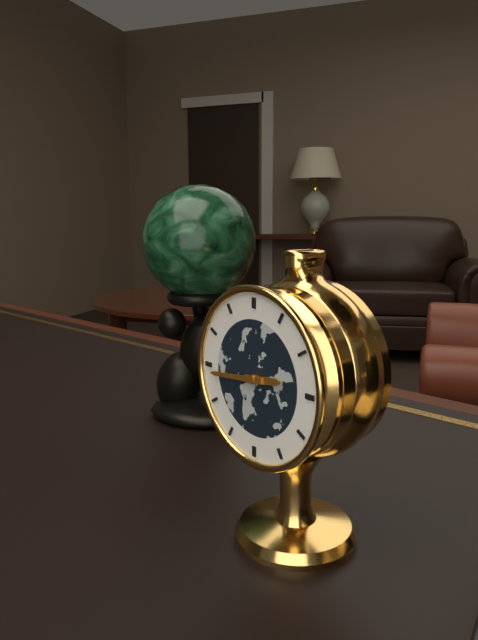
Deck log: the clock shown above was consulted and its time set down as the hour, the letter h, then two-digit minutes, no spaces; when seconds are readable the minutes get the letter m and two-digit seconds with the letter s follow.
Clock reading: 2h44
